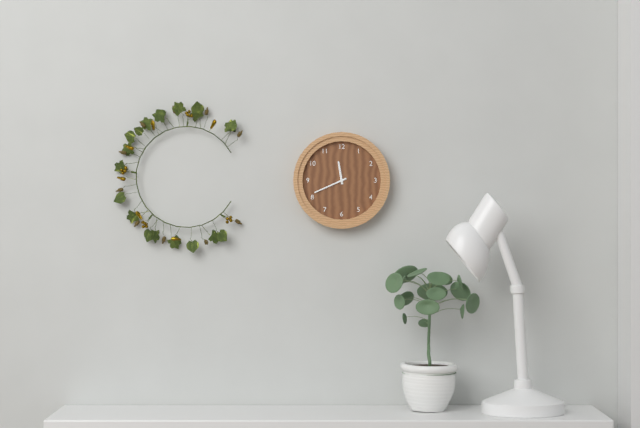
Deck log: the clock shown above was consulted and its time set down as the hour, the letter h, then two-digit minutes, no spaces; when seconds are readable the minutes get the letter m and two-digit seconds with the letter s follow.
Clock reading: 11h41
